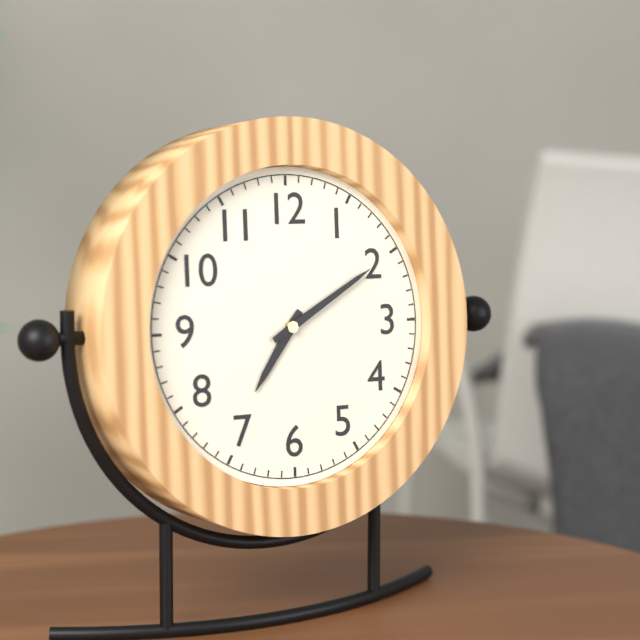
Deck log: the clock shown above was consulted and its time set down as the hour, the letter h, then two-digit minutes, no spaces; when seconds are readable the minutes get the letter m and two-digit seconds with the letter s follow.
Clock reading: 7h10
